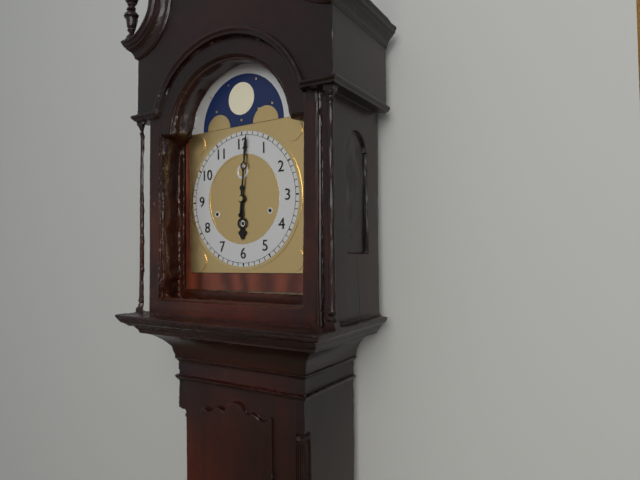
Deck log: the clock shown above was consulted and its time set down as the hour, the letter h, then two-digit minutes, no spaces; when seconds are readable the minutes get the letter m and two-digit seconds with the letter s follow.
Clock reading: 6h01
